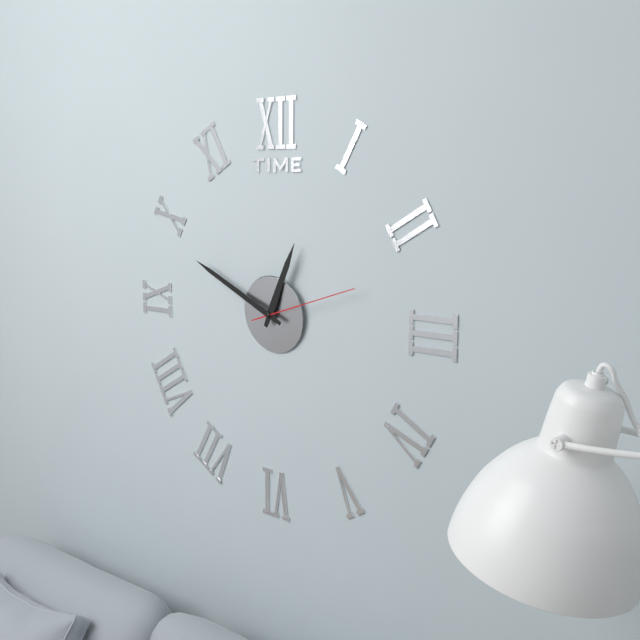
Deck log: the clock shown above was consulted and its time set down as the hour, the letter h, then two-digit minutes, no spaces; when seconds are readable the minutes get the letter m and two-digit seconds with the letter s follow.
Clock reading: 12h49m12s
